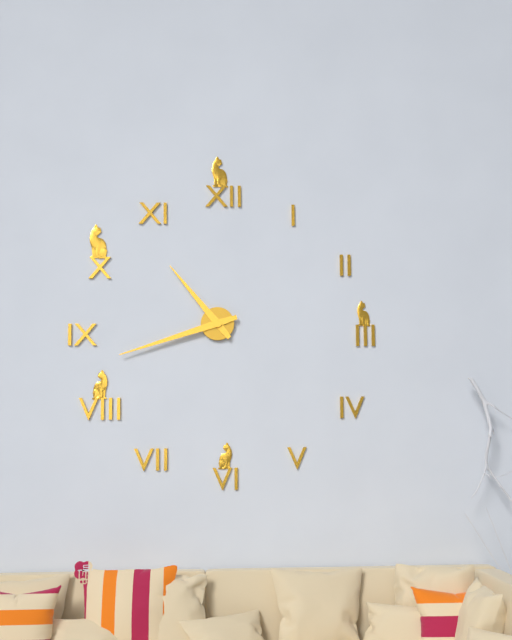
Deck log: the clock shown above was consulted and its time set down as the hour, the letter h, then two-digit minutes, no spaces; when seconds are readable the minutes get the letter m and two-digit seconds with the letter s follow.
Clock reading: 10h42
